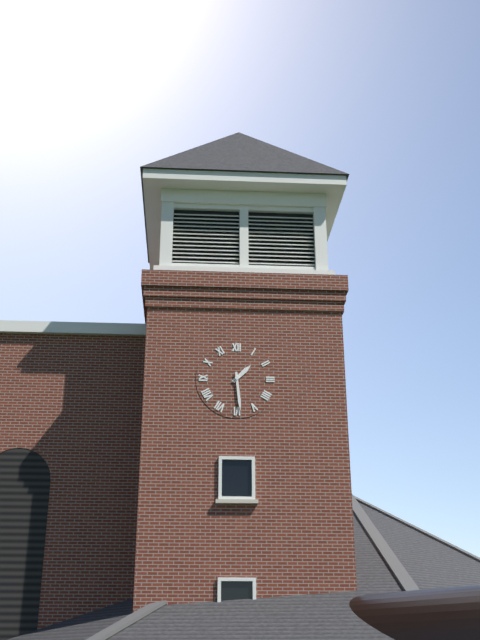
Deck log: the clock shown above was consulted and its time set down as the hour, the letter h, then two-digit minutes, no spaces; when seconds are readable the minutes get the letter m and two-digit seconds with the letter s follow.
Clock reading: 1h29
